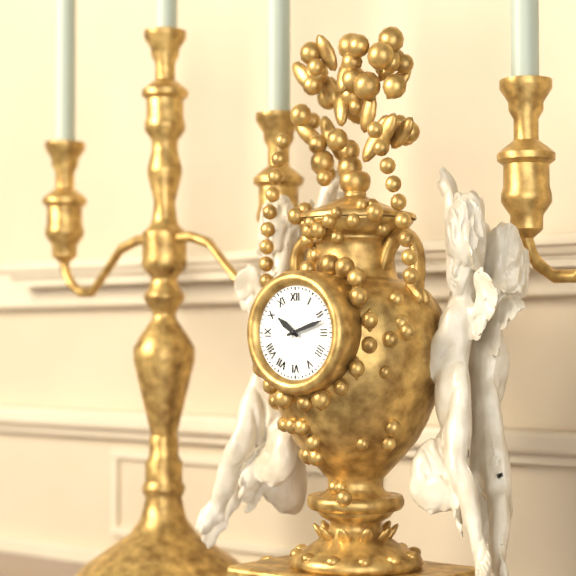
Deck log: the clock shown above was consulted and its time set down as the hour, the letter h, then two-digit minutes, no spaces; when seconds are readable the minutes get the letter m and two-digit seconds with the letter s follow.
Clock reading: 10h12
